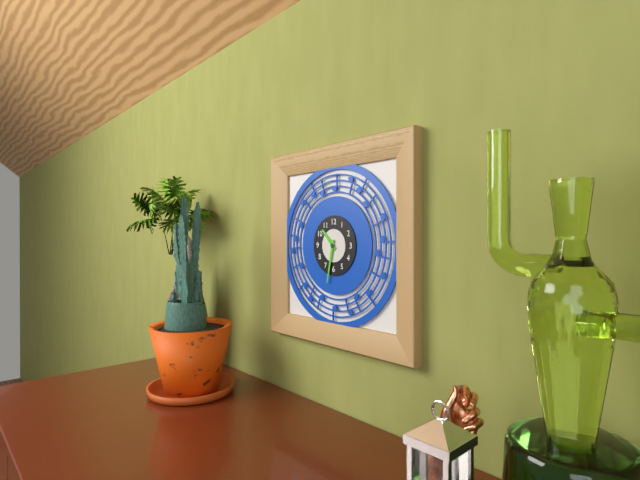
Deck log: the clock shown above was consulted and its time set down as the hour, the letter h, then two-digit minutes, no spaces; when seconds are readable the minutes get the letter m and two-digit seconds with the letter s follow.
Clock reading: 10h32
